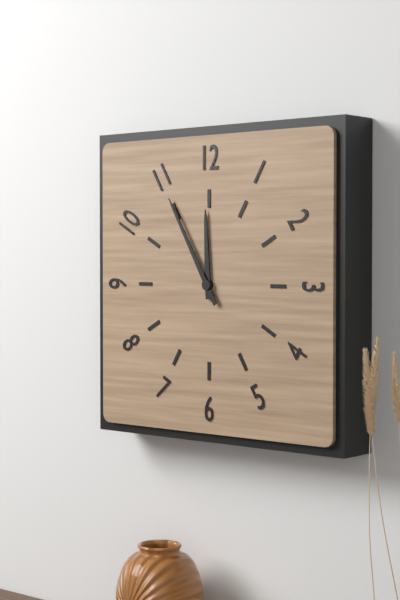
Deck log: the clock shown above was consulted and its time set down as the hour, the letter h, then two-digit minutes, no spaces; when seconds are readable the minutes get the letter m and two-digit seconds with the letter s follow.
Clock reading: 11h55
